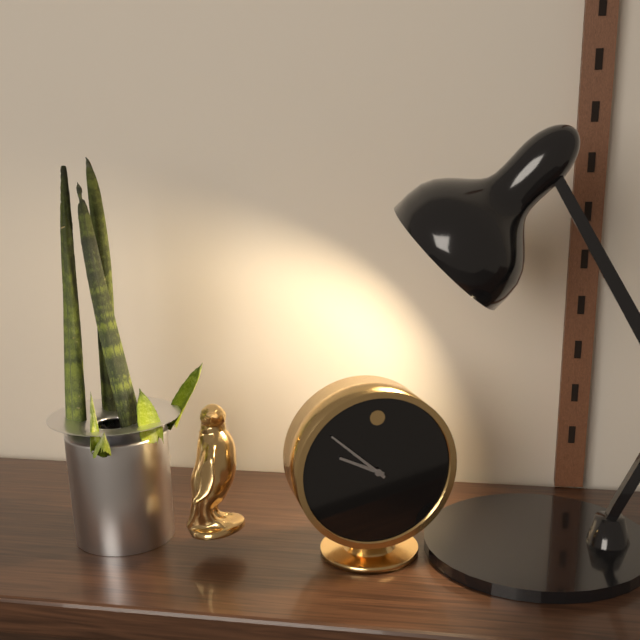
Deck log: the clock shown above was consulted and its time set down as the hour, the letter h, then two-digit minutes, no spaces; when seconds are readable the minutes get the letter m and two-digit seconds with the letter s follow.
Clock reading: 9h52
